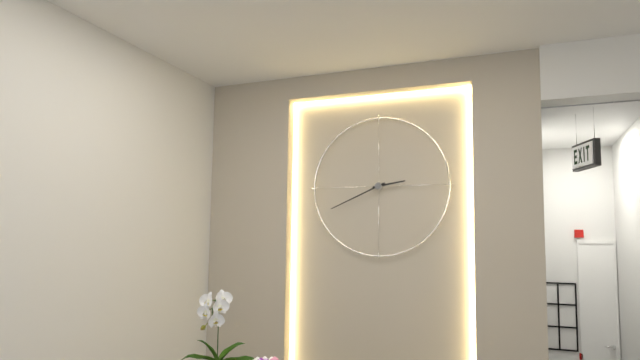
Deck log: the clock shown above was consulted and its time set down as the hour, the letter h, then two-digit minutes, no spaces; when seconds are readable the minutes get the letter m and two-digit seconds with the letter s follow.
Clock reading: 2h41
